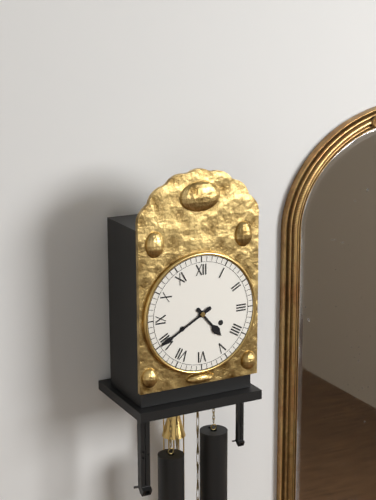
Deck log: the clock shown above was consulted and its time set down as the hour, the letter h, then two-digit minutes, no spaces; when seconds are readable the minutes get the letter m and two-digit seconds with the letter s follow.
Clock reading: 4h40
